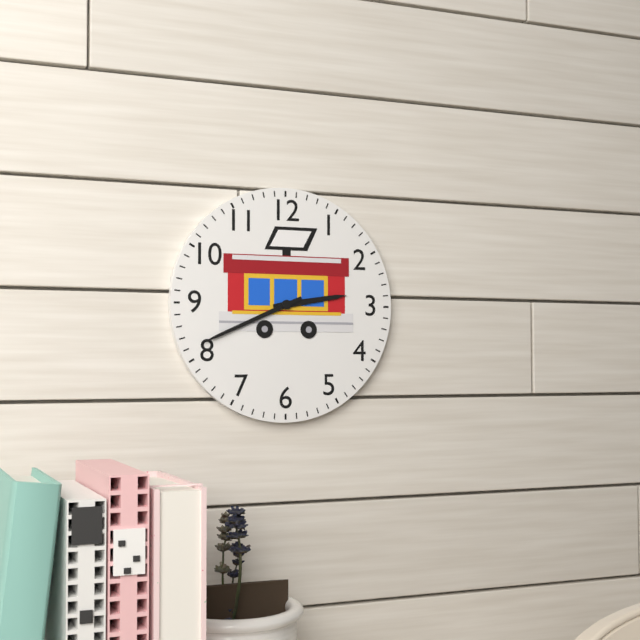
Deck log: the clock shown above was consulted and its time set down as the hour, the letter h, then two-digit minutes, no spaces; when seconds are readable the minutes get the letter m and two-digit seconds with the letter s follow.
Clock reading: 2h41
